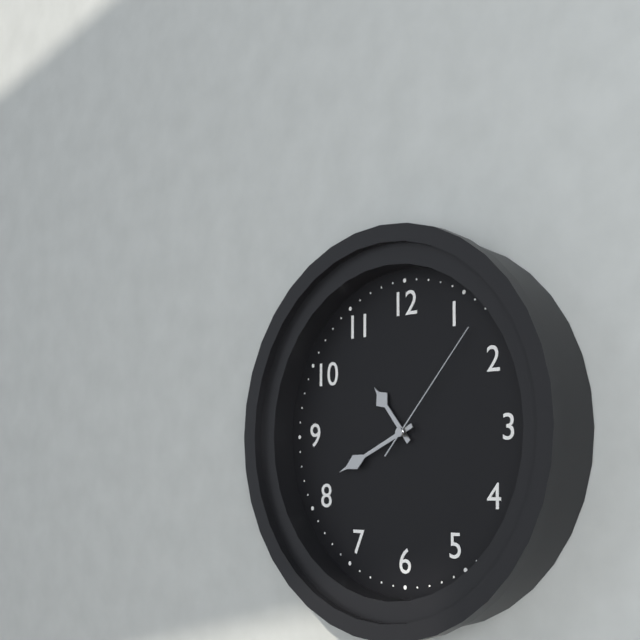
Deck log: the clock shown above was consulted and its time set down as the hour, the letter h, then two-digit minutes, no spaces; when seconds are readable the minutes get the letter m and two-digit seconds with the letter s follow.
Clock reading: 10h41m07s
